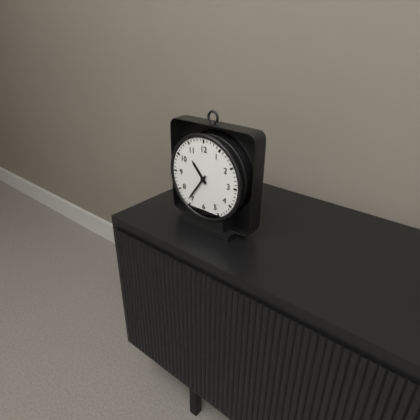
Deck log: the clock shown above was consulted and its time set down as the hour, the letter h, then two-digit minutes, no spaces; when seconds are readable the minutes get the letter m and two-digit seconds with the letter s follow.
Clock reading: 10h36
